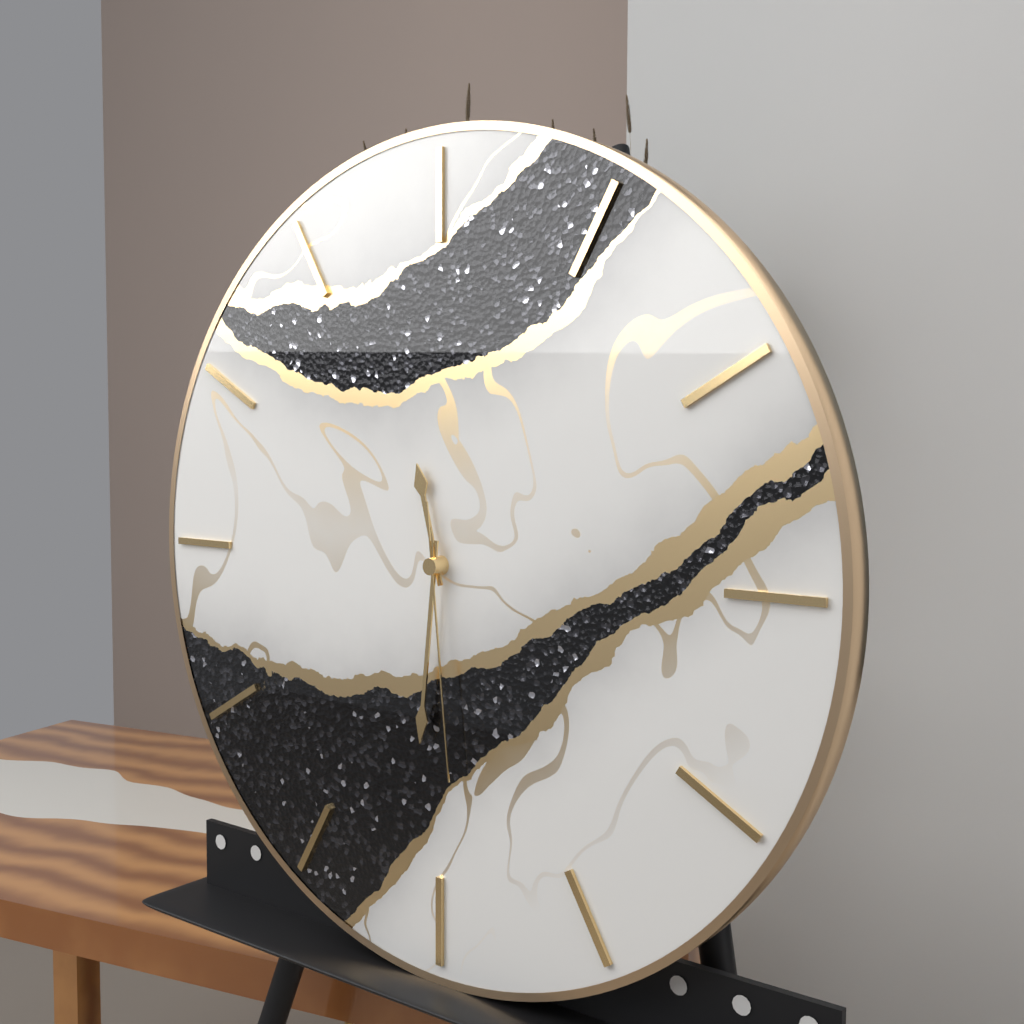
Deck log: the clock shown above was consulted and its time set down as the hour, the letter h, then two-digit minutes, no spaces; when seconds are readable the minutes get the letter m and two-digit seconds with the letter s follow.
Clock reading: 11h31m29s
